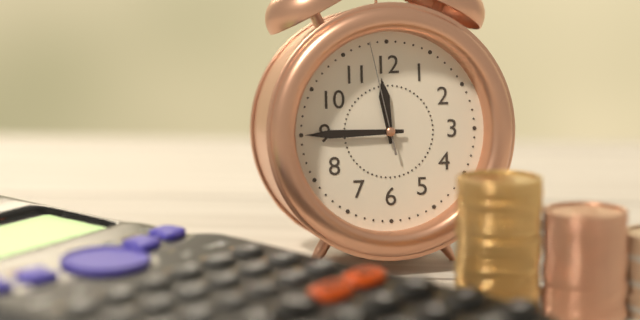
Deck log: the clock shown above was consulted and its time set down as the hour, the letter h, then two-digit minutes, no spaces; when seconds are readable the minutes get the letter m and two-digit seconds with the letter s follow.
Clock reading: 11h45m58s
